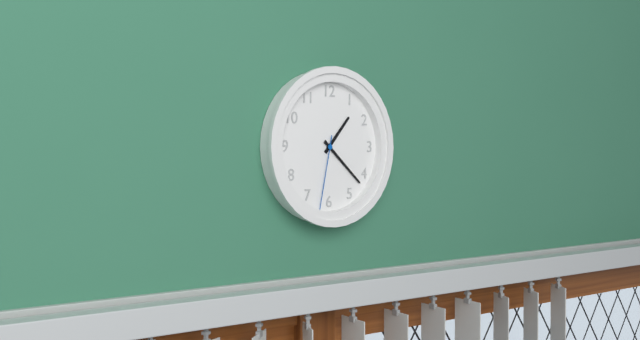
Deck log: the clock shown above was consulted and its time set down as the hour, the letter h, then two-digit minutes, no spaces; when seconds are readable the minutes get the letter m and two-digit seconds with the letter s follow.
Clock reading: 1h22m32s
